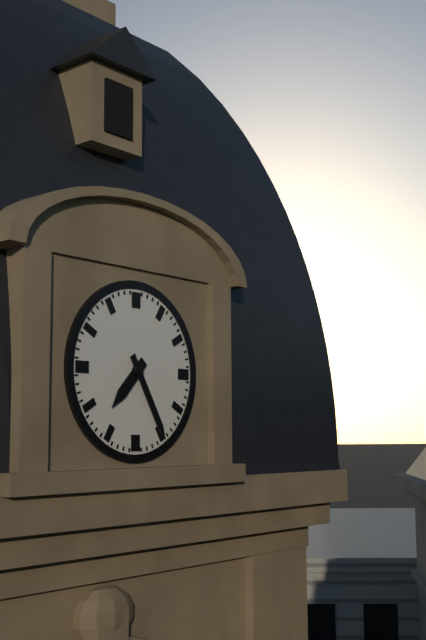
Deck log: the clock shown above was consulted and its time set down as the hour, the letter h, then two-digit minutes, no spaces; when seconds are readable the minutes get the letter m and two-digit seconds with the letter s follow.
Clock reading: 7h25
